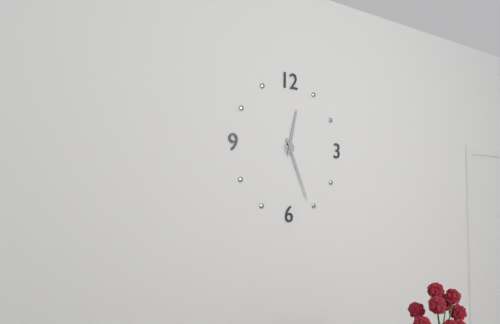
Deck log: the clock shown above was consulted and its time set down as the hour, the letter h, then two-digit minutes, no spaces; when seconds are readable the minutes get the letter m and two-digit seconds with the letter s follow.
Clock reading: 12h26
